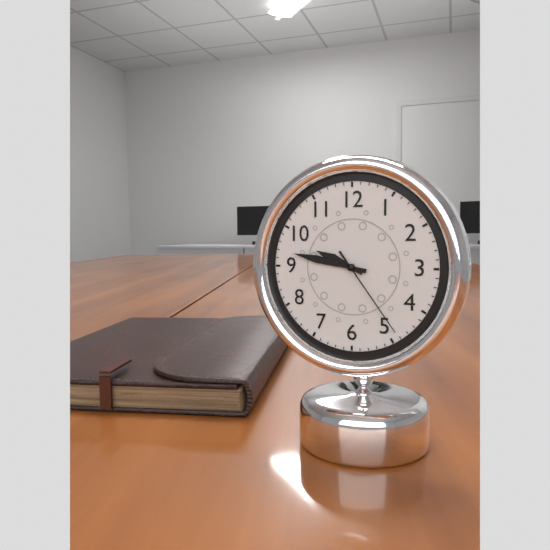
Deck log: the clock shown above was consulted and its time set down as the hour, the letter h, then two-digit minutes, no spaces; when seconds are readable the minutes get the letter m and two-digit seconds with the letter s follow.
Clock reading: 9h47m24s
